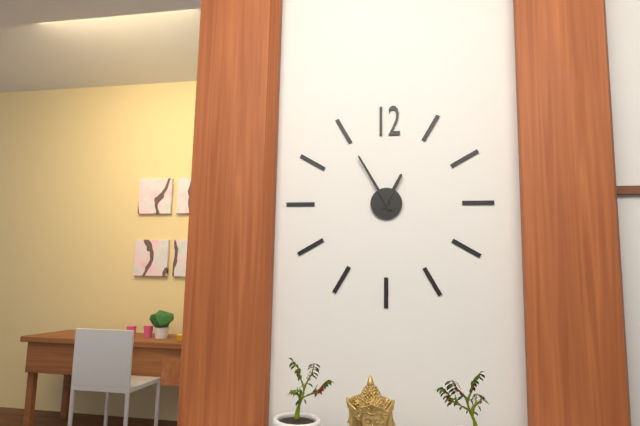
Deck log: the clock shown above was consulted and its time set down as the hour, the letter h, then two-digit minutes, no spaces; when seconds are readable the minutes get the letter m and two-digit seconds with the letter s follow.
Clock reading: 12h55
